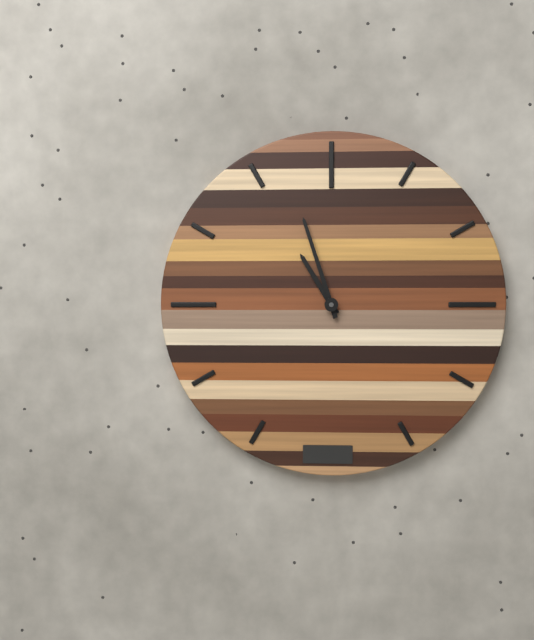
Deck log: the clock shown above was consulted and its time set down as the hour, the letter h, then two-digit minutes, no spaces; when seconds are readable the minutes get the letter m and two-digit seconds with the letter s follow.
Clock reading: 10h57
